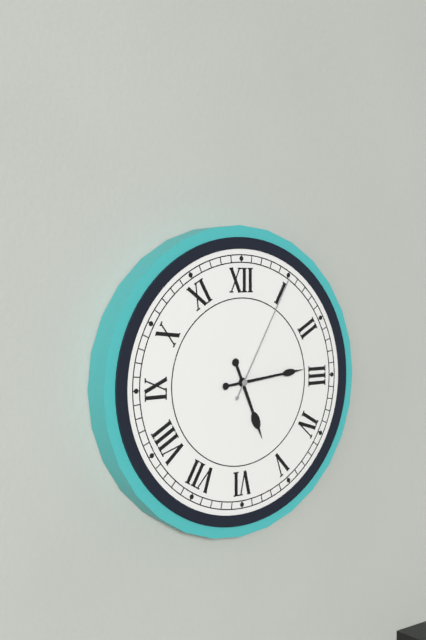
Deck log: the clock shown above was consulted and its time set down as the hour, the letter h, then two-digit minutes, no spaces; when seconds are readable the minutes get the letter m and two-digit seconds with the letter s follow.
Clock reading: 5h14m05s
